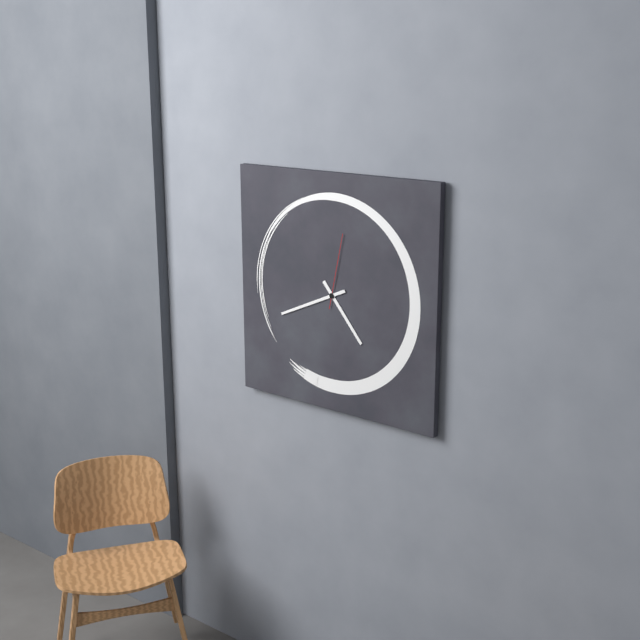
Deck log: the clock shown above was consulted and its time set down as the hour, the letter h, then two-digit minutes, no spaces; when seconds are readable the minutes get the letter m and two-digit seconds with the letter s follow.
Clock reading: 4h41m02s
